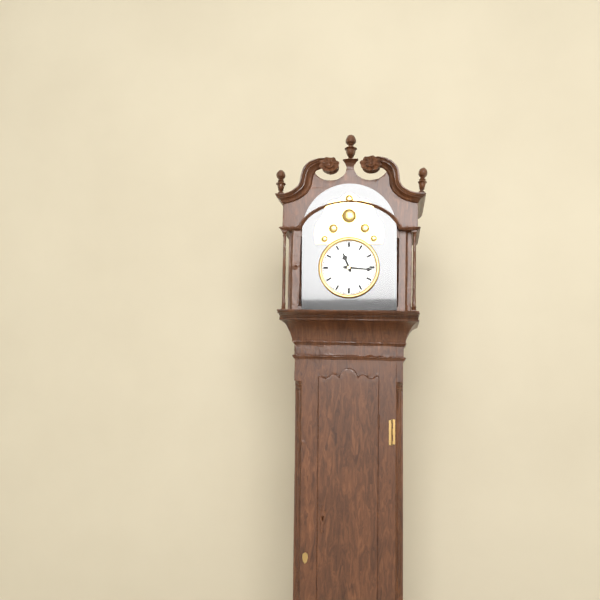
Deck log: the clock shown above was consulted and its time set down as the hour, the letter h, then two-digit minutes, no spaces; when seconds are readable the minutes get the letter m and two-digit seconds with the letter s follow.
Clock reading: 11h16
